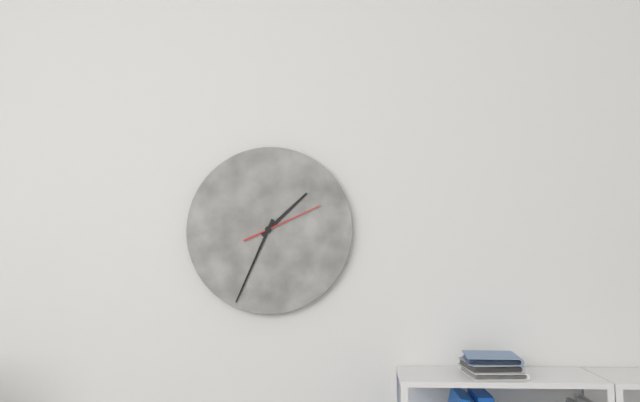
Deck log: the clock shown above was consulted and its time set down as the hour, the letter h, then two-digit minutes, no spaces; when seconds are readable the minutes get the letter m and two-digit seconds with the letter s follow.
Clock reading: 1h34m11s
